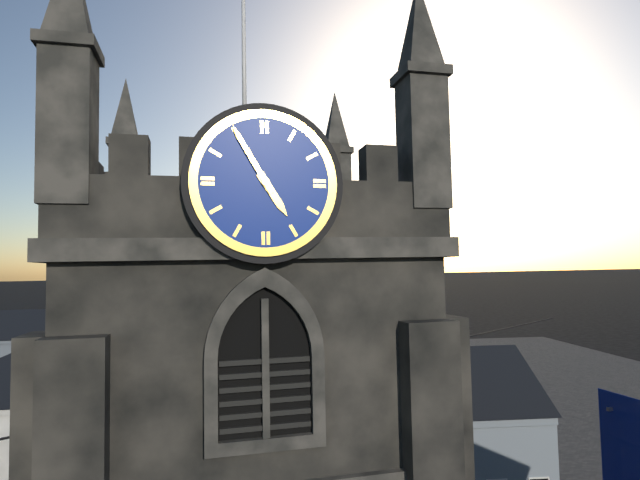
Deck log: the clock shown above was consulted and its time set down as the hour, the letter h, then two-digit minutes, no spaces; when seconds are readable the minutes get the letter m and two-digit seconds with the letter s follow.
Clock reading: 4h55
